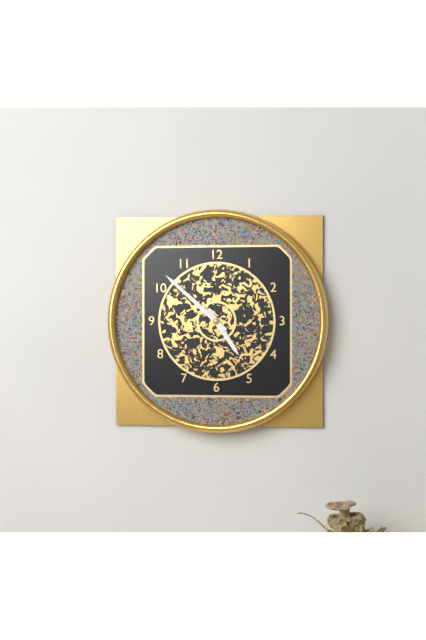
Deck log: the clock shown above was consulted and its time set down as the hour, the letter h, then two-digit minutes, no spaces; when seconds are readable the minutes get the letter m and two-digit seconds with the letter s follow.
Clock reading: 4h52
